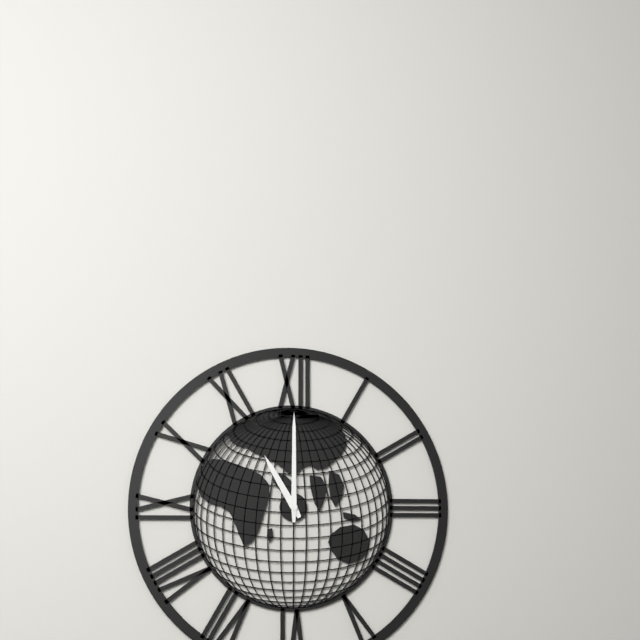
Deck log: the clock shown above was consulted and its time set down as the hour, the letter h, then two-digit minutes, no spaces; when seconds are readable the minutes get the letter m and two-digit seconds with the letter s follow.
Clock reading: 11h00
